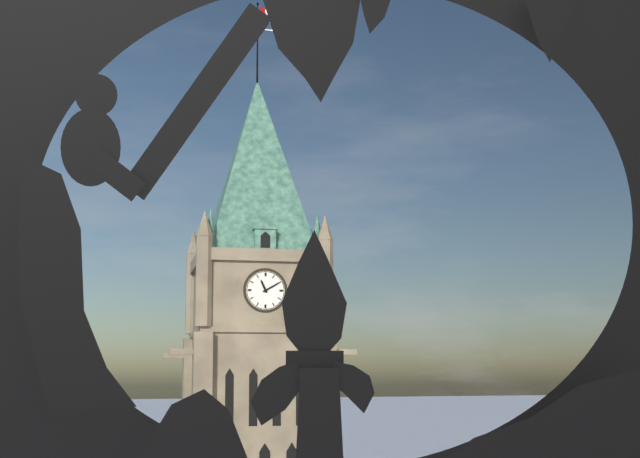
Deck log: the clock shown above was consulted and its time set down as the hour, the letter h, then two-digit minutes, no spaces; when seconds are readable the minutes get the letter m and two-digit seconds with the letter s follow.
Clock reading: 11h10
